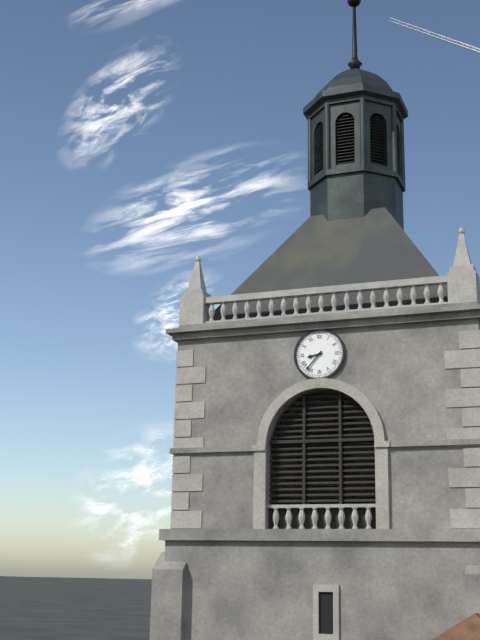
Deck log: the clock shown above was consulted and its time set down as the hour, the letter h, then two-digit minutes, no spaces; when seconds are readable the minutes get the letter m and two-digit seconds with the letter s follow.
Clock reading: 8h37
